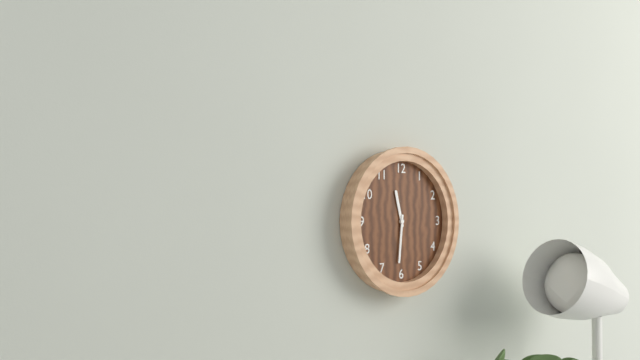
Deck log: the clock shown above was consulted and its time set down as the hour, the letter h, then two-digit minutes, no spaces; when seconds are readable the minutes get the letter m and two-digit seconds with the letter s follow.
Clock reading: 11h31
